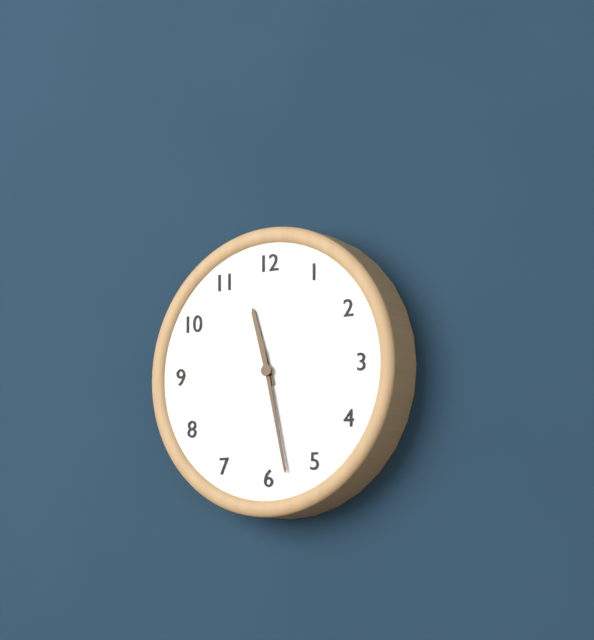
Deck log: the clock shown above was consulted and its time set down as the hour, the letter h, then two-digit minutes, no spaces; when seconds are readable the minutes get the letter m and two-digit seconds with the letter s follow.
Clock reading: 11h28
